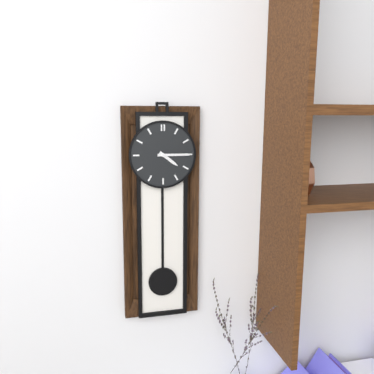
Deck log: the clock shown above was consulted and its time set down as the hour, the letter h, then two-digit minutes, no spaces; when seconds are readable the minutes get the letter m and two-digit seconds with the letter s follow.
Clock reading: 4h15
